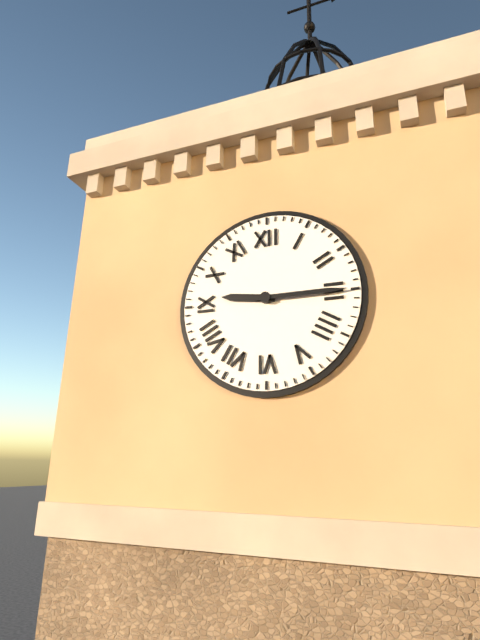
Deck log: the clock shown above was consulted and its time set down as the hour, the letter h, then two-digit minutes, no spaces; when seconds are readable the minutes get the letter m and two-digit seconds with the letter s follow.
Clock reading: 9h15
